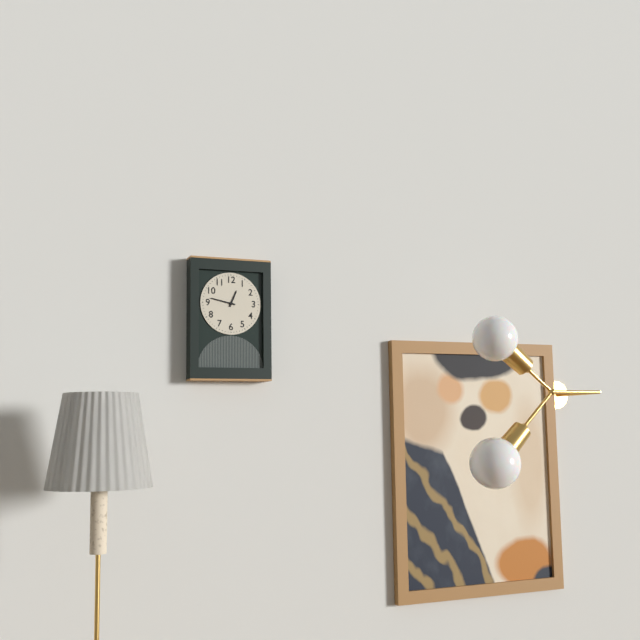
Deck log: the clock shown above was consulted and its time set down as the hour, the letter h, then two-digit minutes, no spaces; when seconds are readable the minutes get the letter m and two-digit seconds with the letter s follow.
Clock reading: 12h47
